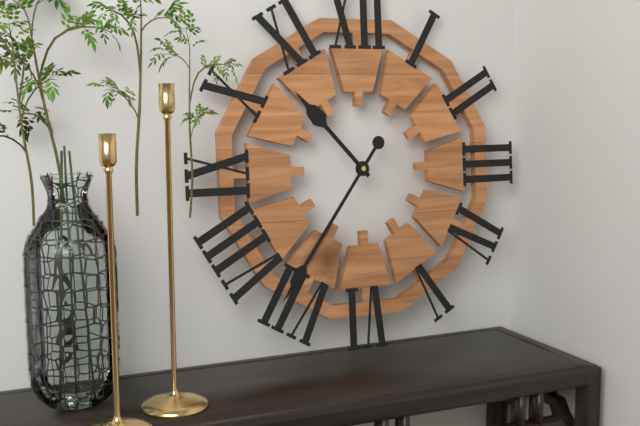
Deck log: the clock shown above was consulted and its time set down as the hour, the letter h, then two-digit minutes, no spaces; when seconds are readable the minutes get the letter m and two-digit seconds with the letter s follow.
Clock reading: 10h36
